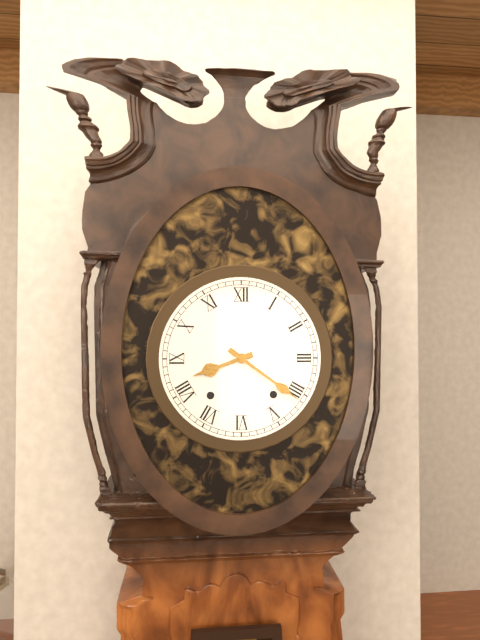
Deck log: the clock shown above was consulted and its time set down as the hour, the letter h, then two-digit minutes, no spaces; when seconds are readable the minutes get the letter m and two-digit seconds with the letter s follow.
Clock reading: 8h21
